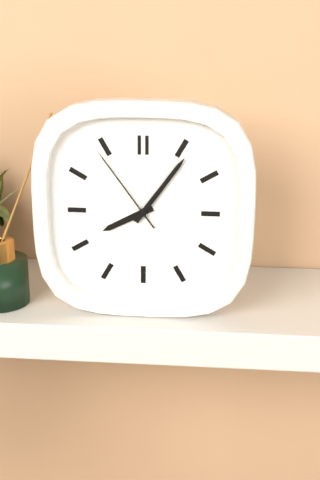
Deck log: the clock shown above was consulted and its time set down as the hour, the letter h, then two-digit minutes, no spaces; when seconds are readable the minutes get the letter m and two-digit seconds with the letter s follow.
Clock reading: 8h06m54s
